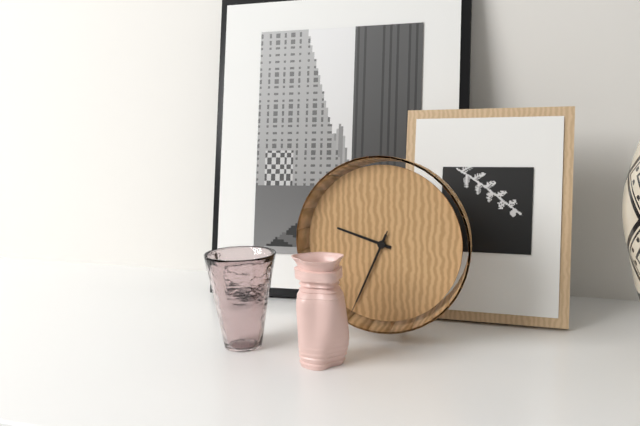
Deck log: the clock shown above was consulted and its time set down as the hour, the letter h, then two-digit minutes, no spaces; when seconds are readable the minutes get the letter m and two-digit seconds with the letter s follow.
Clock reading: 9h34m34s
